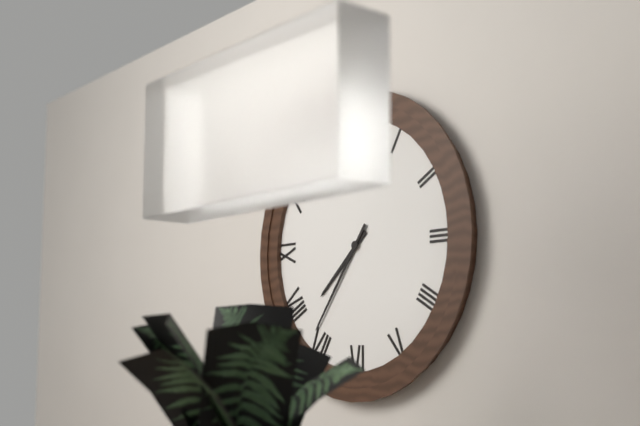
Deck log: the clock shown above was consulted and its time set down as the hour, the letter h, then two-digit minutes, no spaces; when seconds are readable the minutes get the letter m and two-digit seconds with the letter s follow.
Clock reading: 7h36
